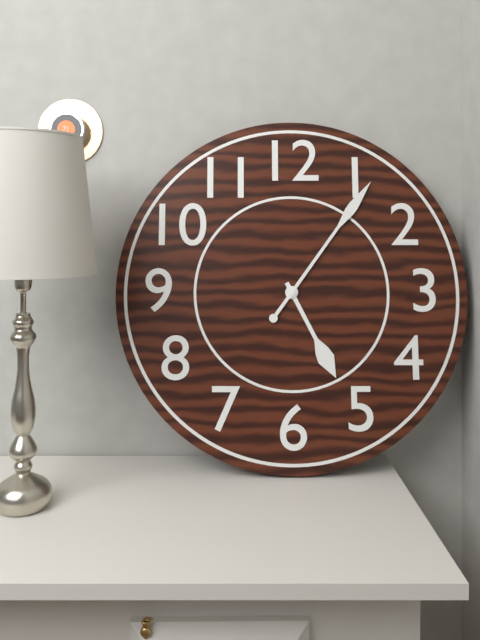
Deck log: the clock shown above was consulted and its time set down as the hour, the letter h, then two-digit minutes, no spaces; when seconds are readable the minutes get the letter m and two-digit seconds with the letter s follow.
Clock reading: 5h06
